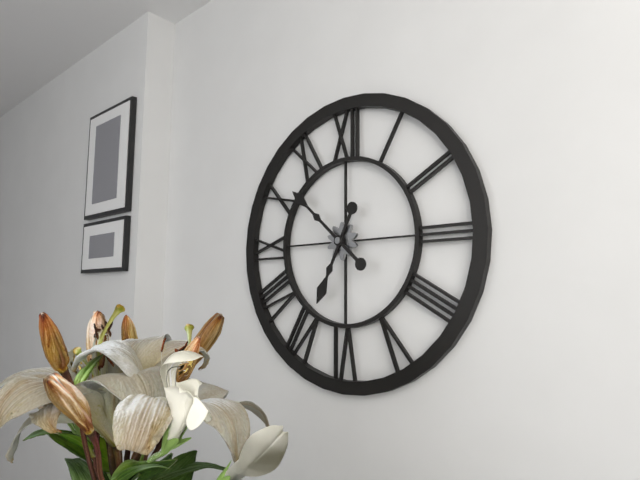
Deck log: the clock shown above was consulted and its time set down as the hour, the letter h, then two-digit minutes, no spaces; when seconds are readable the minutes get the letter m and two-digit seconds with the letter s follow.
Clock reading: 6h52
